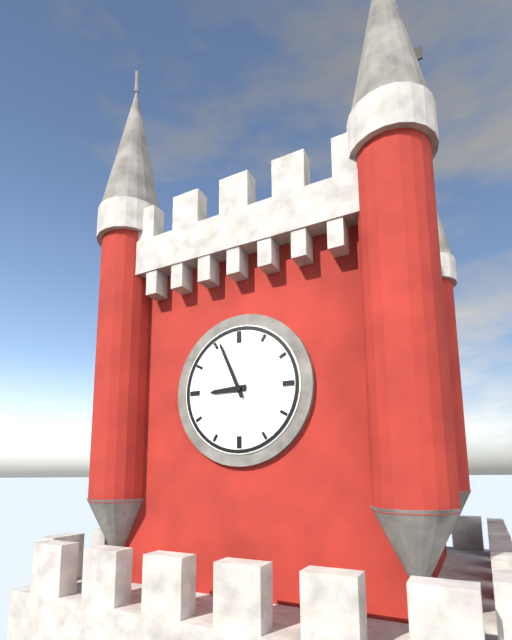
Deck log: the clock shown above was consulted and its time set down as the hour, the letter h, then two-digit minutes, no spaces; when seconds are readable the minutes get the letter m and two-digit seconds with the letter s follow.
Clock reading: 8h56
